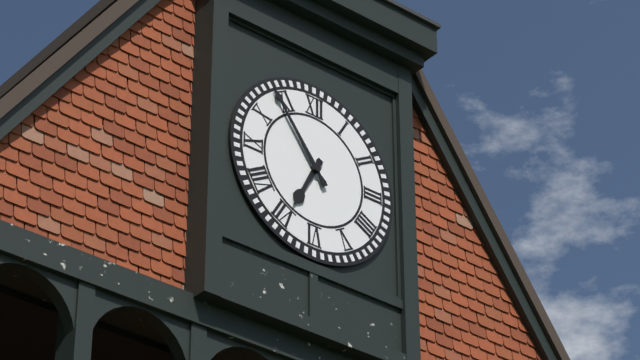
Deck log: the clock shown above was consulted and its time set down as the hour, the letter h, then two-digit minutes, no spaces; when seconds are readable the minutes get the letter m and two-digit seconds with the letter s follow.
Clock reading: 6h54
